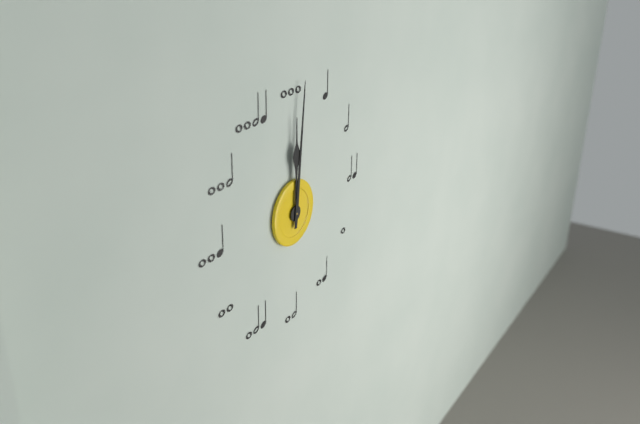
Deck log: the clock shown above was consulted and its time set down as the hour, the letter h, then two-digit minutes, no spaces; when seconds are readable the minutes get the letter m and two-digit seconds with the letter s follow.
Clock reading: 12h01
